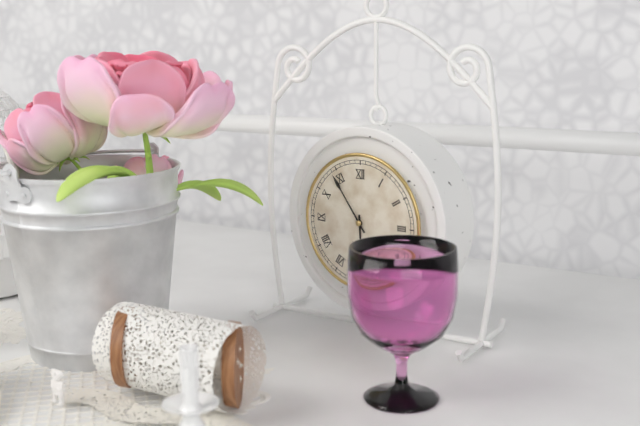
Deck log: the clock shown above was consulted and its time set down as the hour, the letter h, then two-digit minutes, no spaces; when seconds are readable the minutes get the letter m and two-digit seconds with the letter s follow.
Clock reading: 5h54
